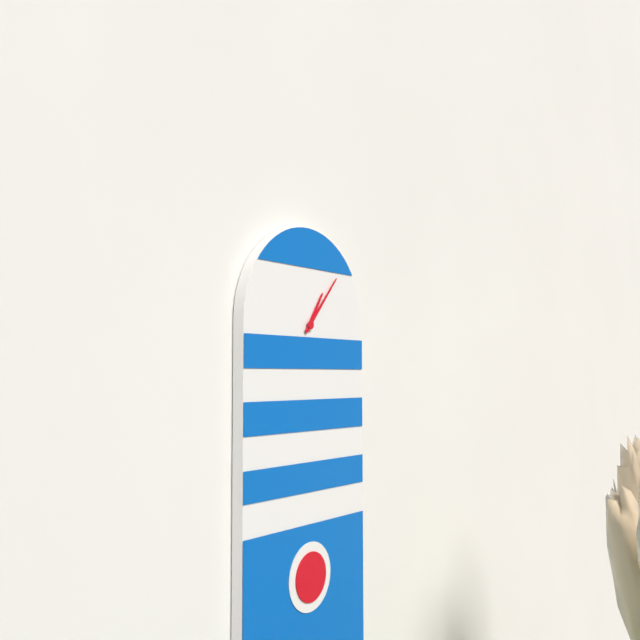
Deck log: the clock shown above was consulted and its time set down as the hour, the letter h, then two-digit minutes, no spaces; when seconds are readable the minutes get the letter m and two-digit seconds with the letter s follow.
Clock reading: 1h07
